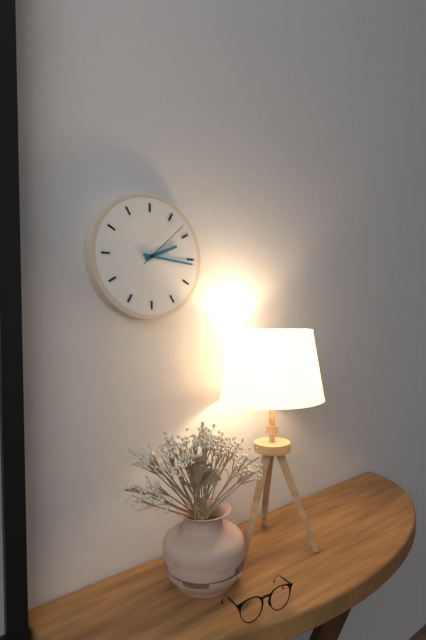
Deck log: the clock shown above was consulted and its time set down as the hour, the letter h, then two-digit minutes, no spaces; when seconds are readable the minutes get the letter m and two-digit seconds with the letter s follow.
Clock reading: 2h16m08s
